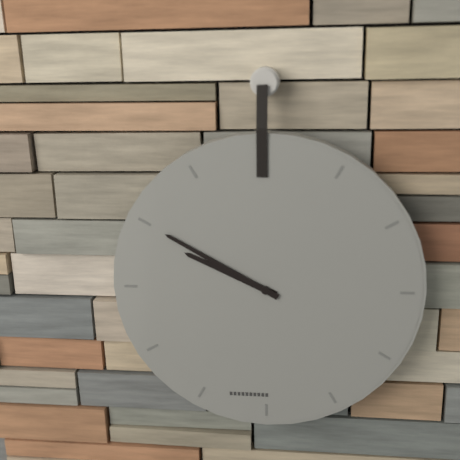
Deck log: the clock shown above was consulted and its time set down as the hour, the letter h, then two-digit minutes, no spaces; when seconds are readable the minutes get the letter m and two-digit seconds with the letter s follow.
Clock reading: 9h50
